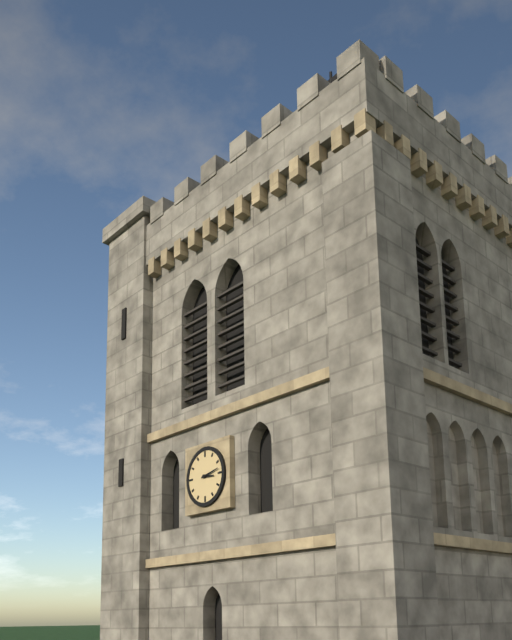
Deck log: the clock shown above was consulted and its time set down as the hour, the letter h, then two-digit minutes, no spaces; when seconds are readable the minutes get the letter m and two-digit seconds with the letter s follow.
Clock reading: 3h13
